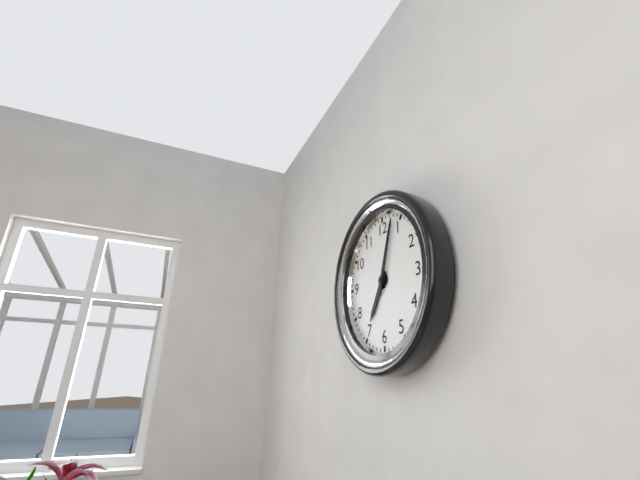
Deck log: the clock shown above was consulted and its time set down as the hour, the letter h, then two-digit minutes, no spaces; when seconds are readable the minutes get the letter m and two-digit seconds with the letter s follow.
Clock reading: 7h03
